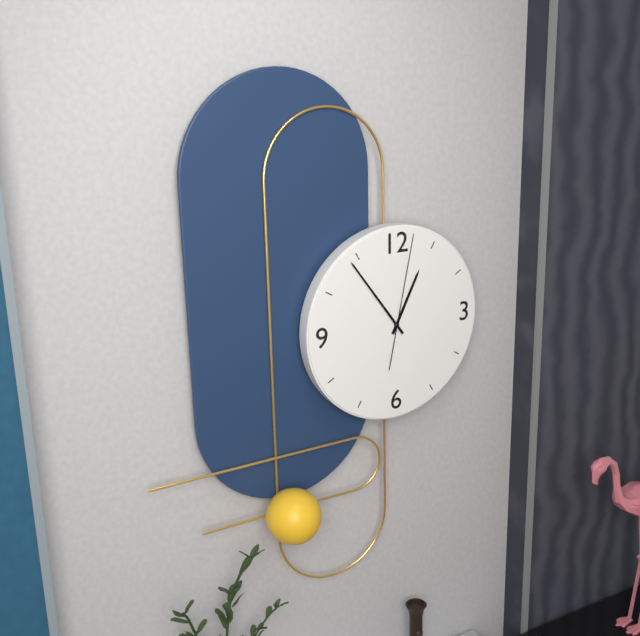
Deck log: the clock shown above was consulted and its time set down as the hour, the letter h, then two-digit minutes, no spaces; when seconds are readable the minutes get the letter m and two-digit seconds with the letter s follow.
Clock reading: 12h54m02s
